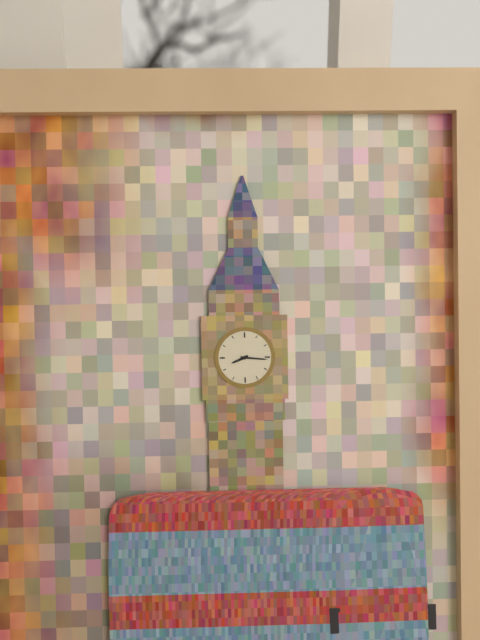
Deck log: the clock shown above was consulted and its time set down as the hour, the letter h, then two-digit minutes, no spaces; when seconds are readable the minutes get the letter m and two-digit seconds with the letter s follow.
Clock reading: 8h16
